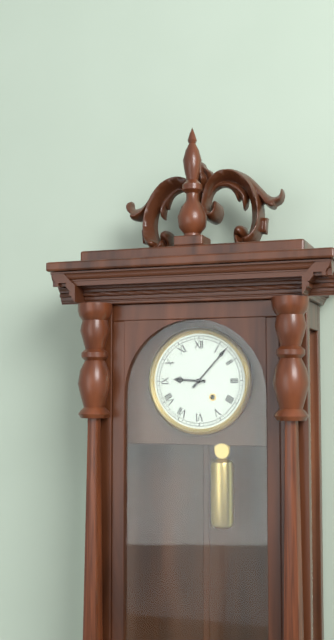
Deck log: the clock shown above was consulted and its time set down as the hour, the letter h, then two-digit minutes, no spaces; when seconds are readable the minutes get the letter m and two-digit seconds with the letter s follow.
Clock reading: 9h07
